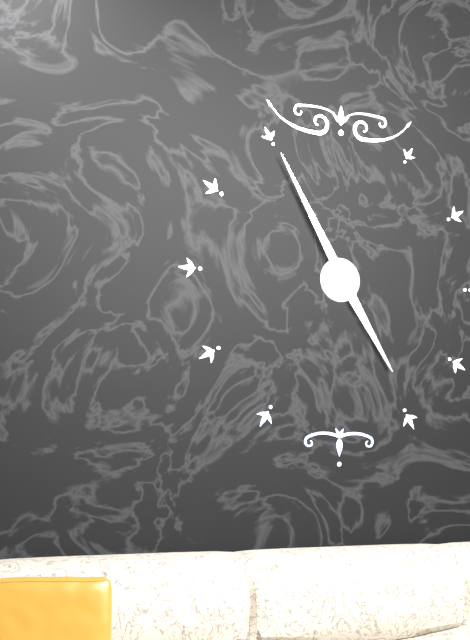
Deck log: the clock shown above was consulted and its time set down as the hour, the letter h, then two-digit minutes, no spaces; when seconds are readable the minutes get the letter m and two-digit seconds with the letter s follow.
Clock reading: 4h55
